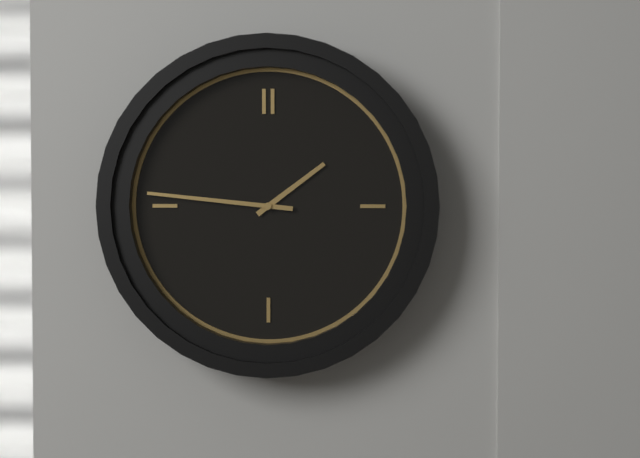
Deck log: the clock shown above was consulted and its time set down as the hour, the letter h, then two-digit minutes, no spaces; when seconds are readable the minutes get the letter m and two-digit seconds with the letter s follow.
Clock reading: 1h46
